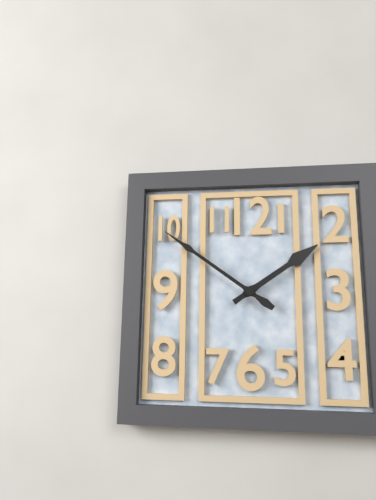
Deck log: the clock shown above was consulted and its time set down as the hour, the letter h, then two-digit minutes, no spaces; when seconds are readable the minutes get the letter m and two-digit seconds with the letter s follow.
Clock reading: 1h51
